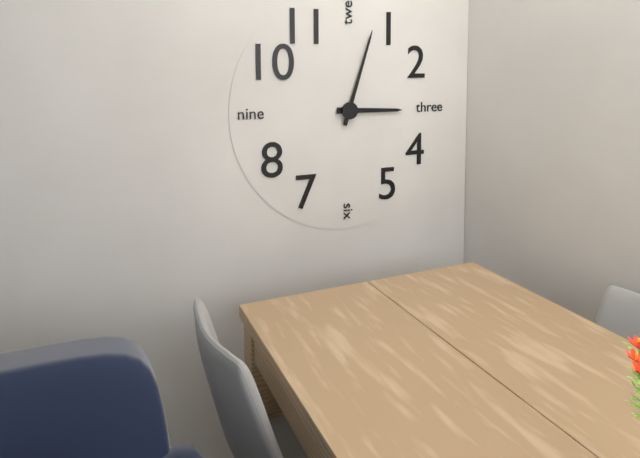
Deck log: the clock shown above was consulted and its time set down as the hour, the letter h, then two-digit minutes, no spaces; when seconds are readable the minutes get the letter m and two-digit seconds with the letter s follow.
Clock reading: 3h03
